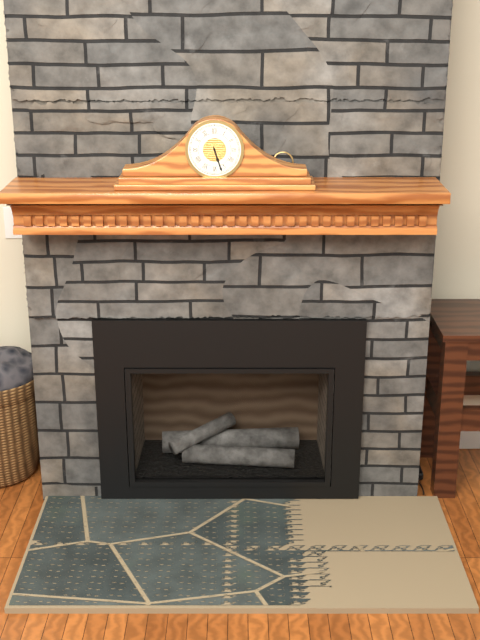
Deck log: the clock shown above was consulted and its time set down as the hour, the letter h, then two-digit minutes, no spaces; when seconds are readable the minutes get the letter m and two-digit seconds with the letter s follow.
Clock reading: 5h27
